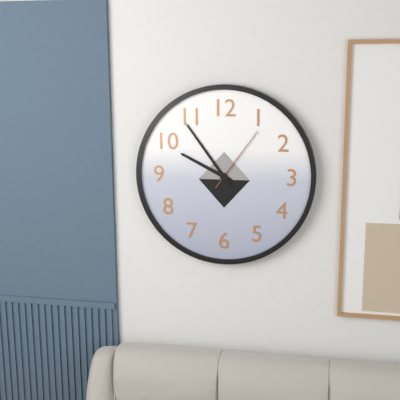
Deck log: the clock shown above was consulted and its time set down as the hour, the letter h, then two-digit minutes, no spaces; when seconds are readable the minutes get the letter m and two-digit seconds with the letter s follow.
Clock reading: 9h54m06s
